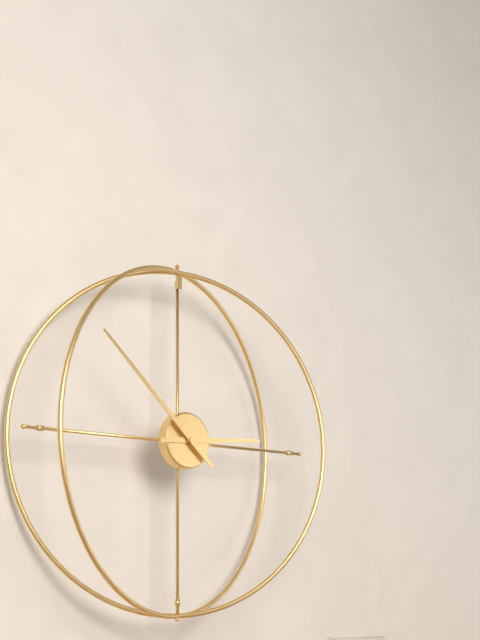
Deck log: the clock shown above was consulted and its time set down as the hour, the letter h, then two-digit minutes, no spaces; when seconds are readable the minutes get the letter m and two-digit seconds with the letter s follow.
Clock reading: 2h52
